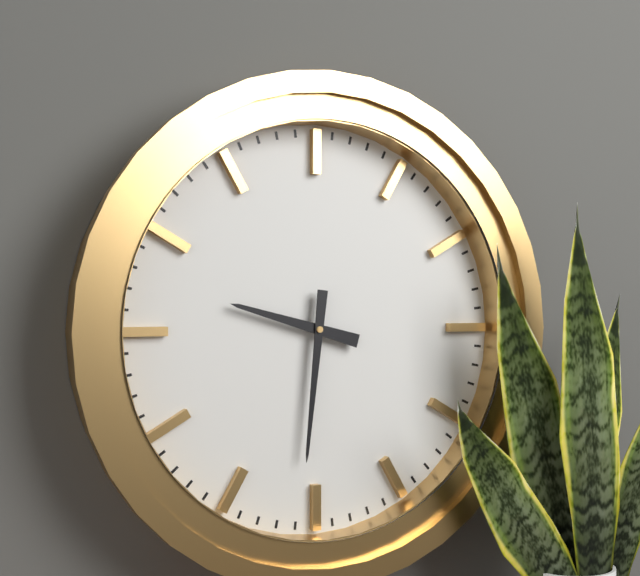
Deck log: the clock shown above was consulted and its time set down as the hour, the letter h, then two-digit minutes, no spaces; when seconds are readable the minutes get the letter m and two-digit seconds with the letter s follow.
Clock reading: 9h31
